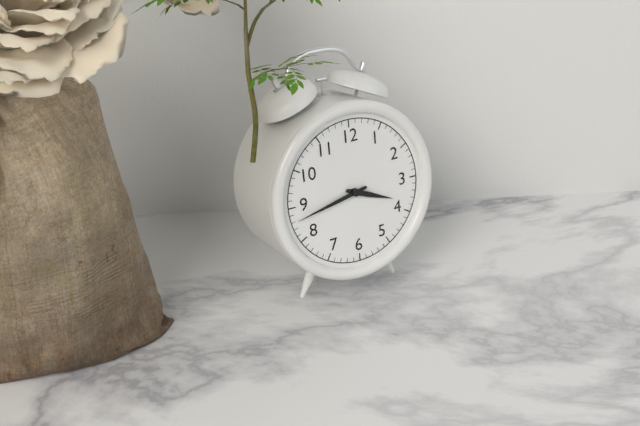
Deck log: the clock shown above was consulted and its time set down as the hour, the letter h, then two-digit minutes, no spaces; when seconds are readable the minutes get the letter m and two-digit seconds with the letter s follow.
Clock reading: 3h43
